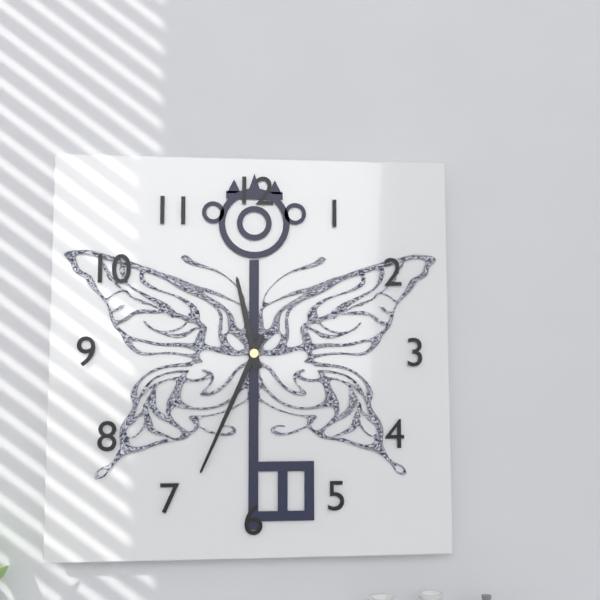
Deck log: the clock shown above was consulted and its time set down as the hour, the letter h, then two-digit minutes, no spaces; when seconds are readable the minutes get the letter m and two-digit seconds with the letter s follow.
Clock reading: 11h34
